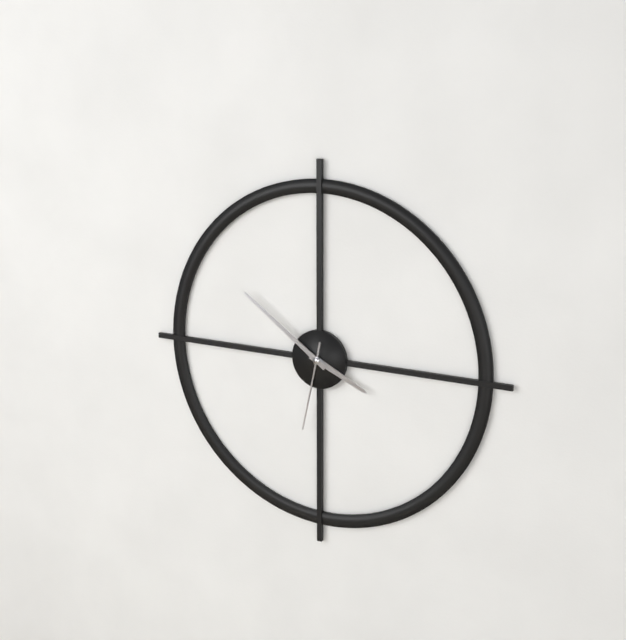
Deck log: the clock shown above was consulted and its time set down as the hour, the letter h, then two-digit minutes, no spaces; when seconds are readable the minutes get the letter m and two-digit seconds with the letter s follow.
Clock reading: 3h51m32s
